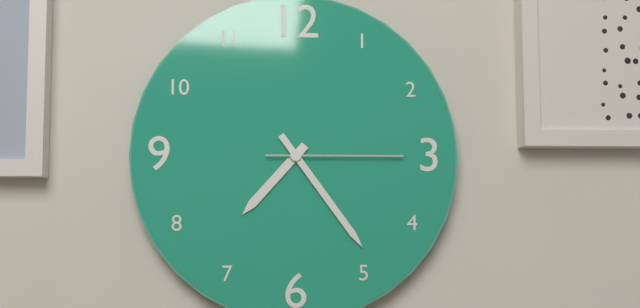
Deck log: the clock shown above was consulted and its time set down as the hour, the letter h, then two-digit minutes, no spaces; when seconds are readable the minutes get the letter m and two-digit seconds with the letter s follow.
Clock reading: 7h24m15s
